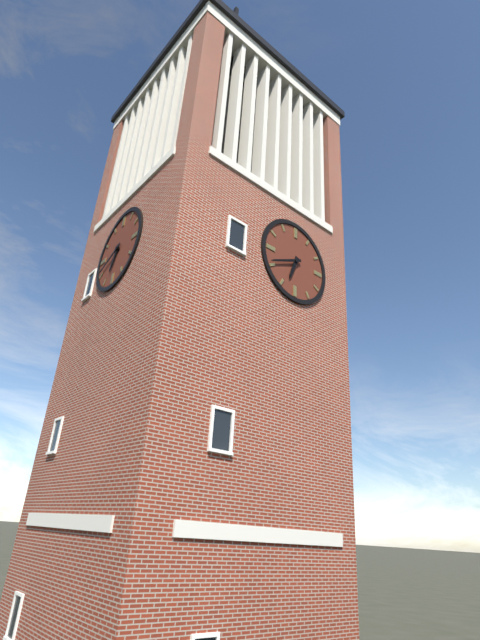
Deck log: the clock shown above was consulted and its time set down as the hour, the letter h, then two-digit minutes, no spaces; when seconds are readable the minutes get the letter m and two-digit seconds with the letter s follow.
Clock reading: 6h41
